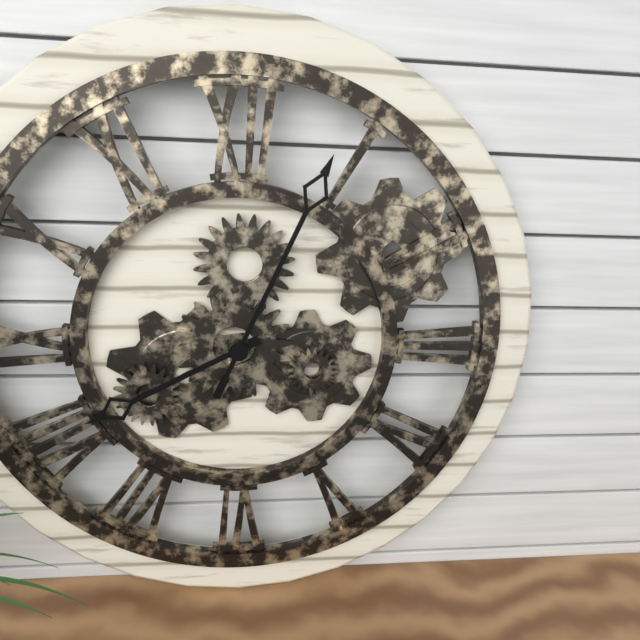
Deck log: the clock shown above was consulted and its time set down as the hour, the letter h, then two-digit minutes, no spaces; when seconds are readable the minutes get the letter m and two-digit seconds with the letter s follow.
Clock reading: 8h04
